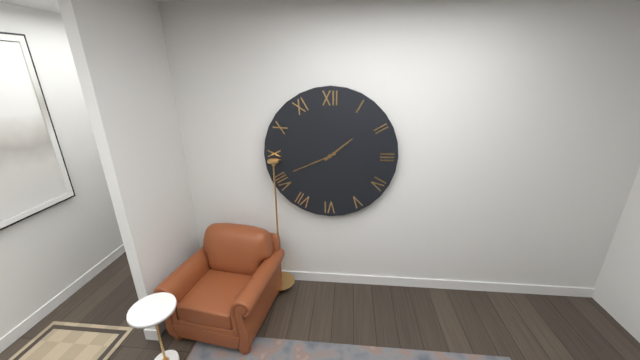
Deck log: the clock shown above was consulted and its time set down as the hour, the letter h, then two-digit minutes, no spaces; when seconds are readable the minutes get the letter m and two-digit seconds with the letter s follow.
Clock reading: 1h41
